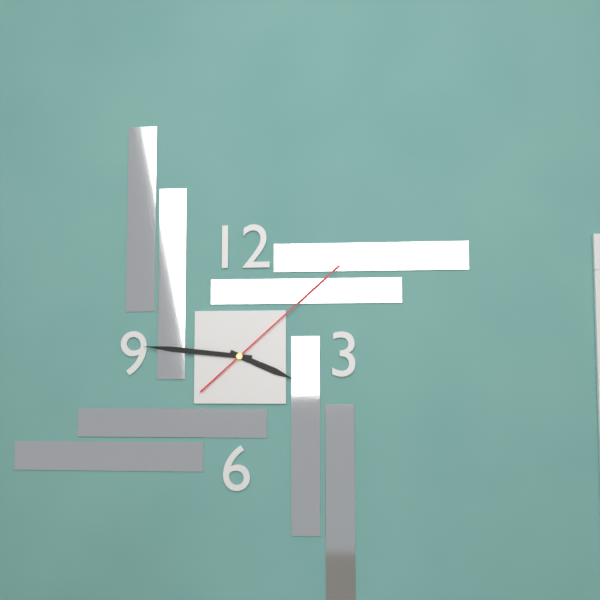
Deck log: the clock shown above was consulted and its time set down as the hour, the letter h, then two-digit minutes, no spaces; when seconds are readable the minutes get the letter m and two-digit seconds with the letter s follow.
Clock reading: 3h46m08s
